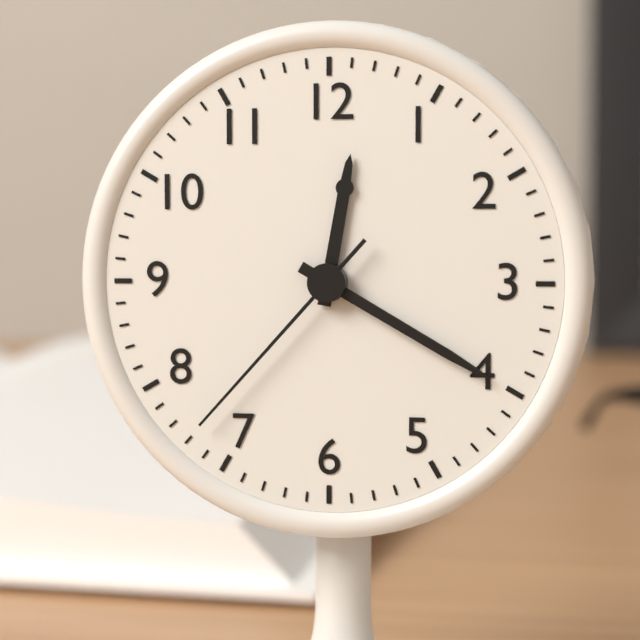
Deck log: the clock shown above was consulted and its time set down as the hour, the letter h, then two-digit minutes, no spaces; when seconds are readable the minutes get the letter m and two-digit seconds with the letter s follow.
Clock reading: 12h20m37s
